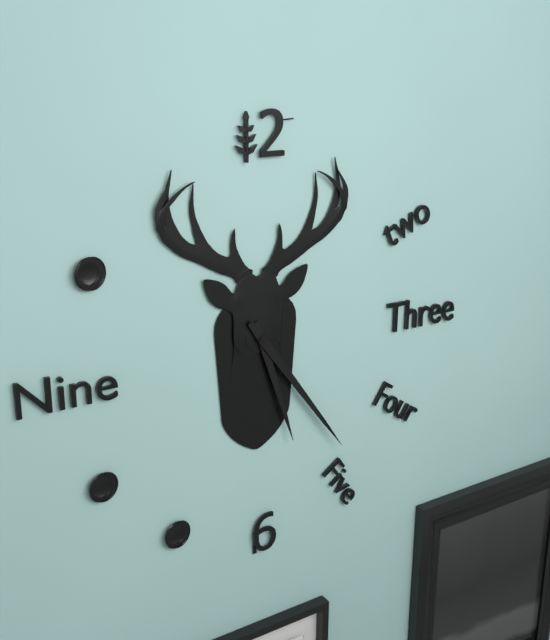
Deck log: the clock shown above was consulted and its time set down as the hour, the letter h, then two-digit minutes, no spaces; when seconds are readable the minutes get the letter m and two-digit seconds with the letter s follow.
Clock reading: 5h24
